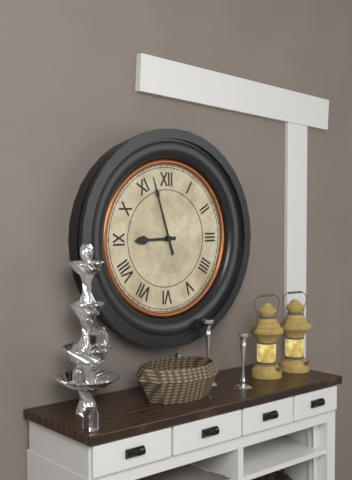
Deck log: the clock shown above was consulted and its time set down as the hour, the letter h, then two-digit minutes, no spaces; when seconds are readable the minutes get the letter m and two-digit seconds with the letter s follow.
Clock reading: 8h57
